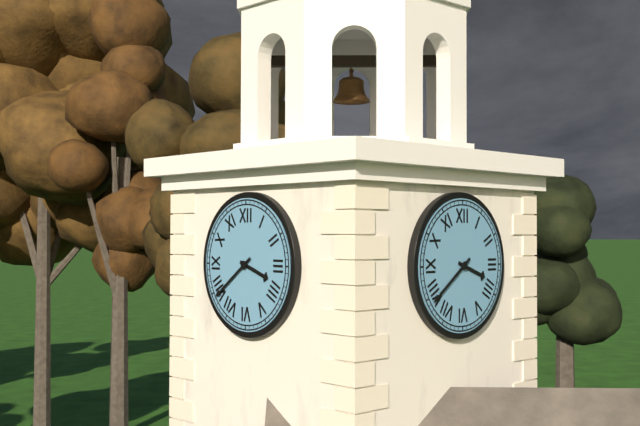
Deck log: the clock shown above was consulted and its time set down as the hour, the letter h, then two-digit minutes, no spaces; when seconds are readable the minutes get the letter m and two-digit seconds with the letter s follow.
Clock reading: 3h39
